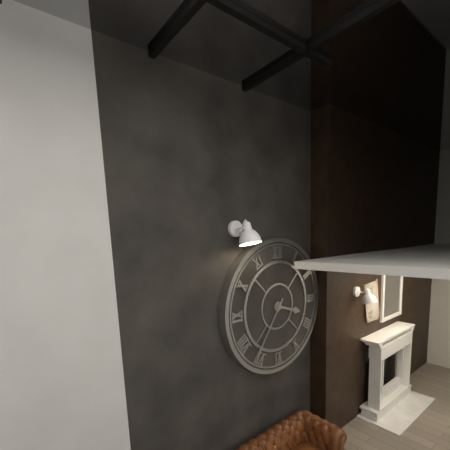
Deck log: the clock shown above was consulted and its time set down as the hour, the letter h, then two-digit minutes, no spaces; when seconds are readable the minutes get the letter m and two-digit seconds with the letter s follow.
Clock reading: 3h36
